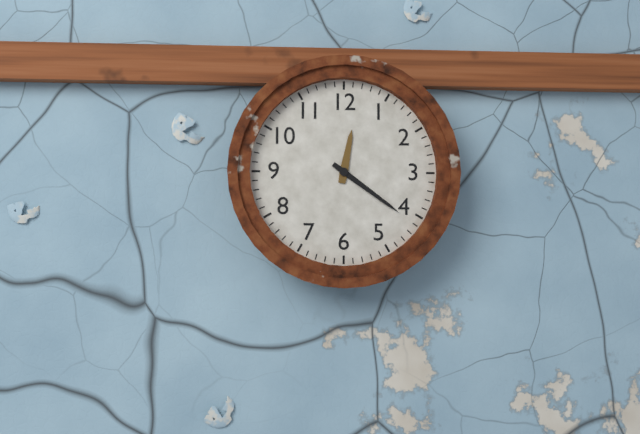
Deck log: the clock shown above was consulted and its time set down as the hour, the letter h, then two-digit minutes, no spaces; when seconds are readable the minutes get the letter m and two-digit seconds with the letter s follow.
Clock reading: 12h21
